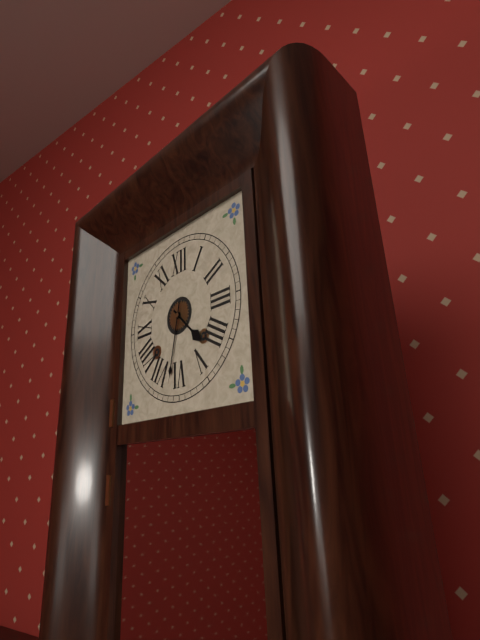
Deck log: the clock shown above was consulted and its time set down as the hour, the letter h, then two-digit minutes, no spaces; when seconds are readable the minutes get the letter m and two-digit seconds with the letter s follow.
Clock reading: 4h32
